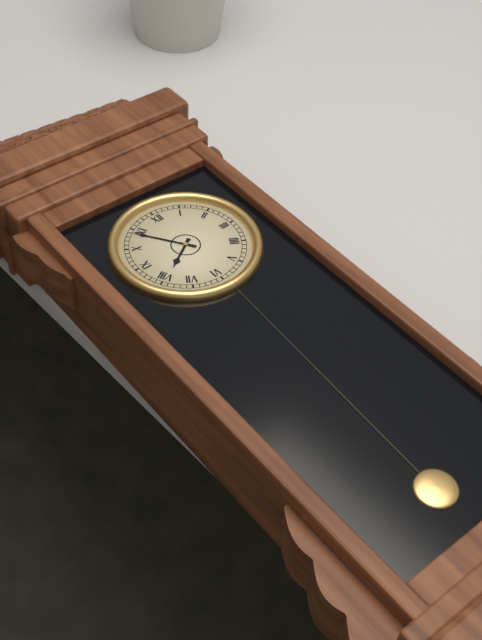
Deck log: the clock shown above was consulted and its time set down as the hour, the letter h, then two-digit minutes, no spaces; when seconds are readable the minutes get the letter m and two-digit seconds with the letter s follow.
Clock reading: 7h54
